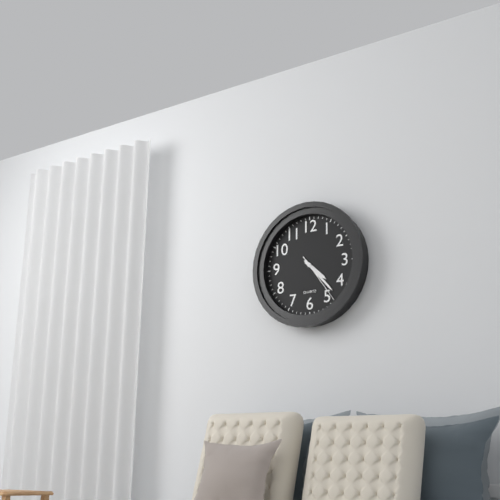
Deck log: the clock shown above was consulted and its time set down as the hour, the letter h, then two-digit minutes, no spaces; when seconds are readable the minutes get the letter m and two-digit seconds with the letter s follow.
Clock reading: 4h23m24s
